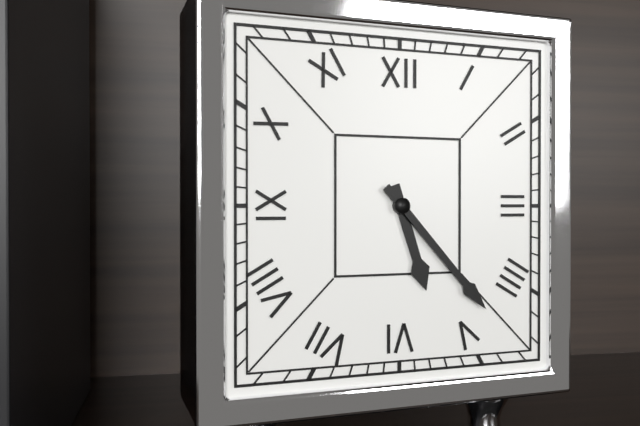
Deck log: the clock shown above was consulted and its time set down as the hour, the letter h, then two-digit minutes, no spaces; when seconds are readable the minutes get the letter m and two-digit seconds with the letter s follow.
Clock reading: 5h23
